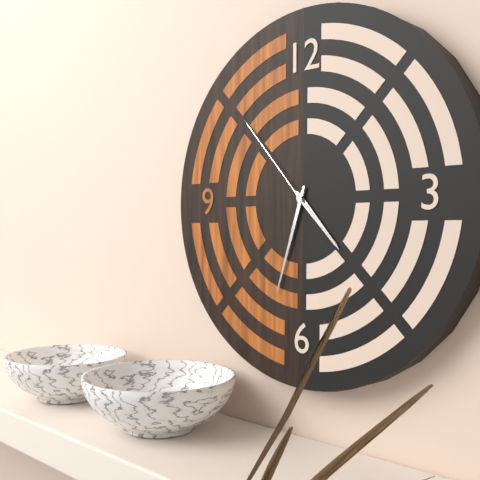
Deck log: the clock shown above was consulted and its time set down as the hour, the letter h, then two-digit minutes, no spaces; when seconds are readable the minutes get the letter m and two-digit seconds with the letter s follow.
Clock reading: 4h33m53s
